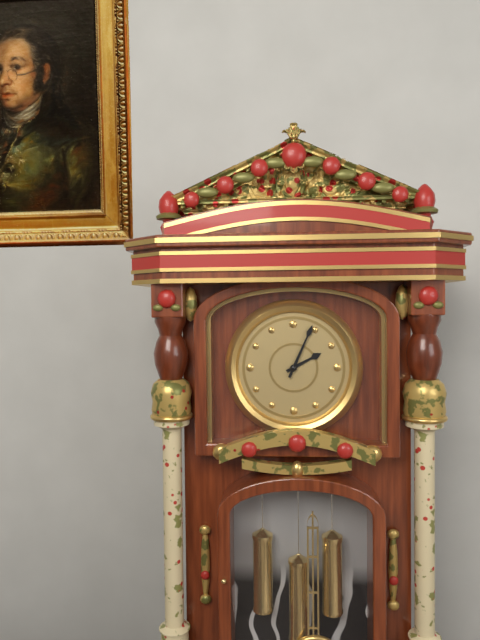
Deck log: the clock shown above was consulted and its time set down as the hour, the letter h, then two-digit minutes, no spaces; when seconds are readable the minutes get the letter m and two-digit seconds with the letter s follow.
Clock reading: 2h04
